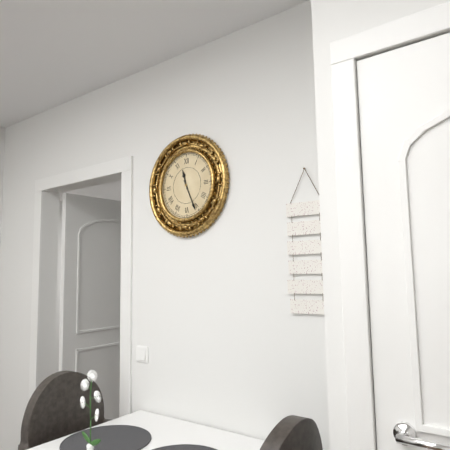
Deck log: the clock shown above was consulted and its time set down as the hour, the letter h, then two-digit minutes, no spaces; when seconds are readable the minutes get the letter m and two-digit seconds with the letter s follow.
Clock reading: 11h26
